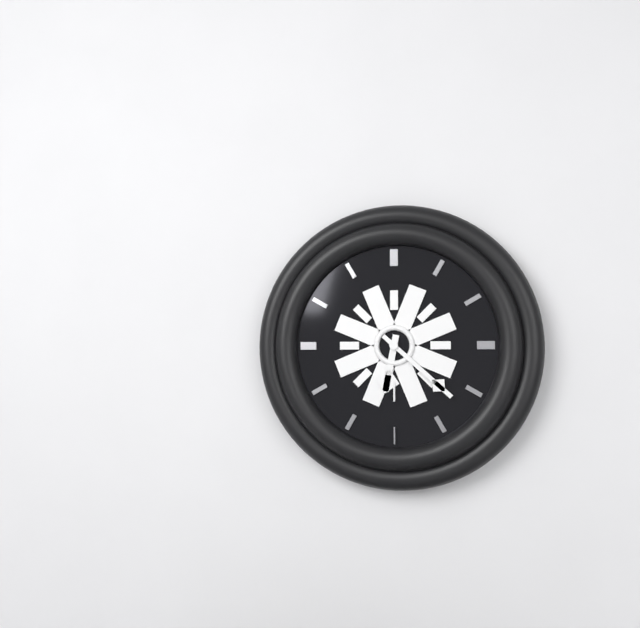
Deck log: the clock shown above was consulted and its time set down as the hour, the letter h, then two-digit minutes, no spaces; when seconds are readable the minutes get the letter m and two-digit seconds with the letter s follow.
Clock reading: 6h22
